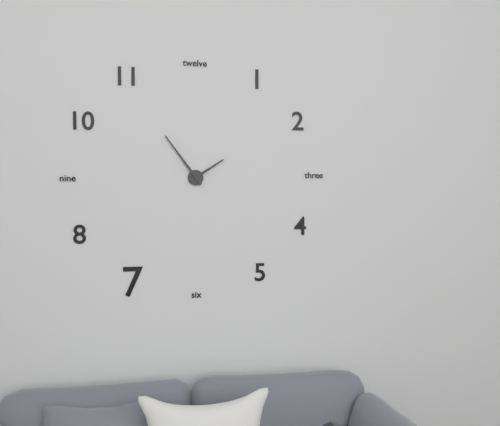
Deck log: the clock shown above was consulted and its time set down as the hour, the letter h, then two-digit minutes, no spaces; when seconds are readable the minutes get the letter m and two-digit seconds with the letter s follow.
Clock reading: 1h54
